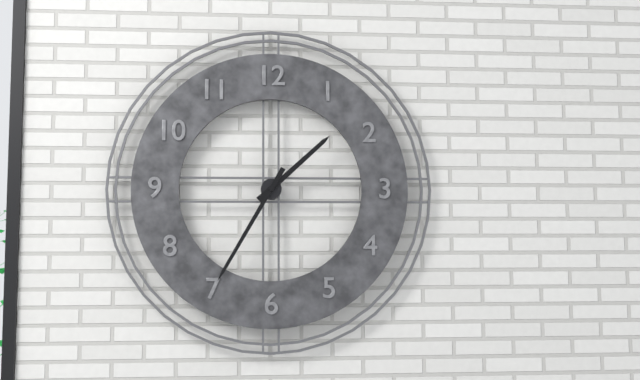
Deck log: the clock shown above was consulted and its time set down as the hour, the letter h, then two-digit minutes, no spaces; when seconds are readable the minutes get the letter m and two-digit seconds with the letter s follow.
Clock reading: 1h35
